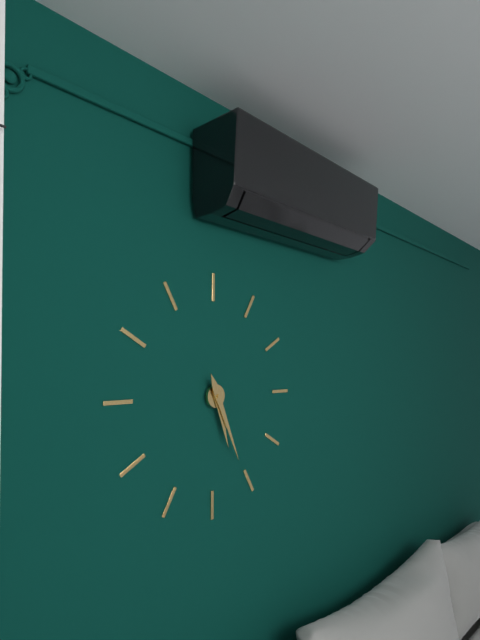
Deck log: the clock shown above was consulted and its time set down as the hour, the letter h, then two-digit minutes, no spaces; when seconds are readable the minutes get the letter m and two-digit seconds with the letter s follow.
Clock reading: 5h26
